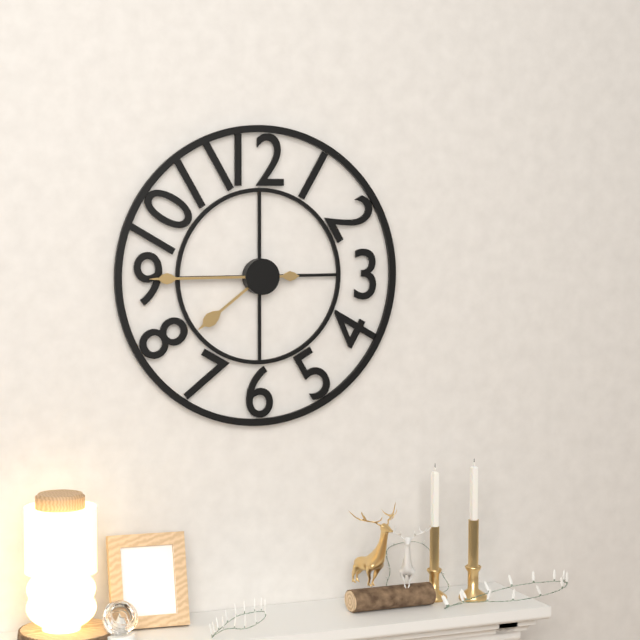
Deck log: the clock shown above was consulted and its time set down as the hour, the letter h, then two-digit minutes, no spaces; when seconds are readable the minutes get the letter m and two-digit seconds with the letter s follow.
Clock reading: 7h45
